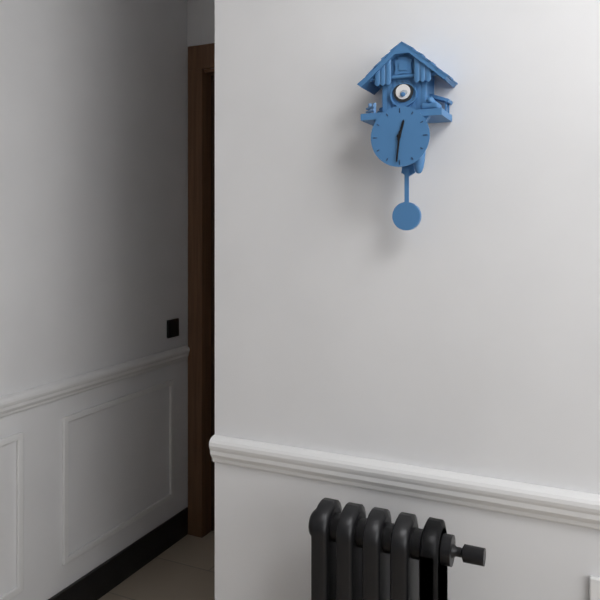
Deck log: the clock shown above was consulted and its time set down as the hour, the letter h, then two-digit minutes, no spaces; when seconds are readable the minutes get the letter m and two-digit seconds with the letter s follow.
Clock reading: 12h31
